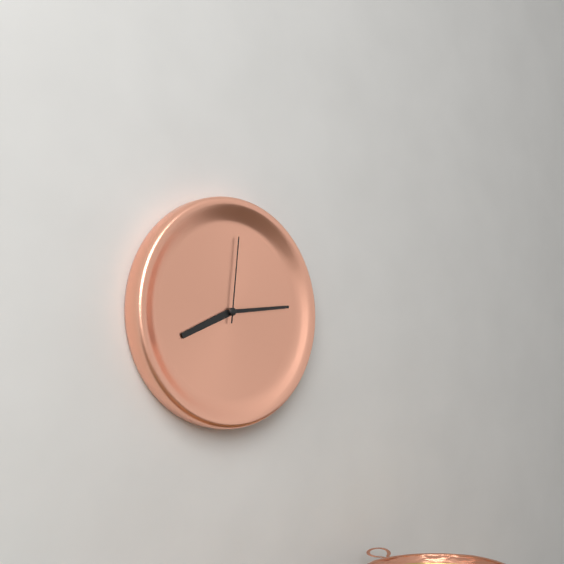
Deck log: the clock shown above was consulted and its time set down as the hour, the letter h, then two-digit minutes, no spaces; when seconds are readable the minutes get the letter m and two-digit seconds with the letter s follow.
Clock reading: 8h14m01s
